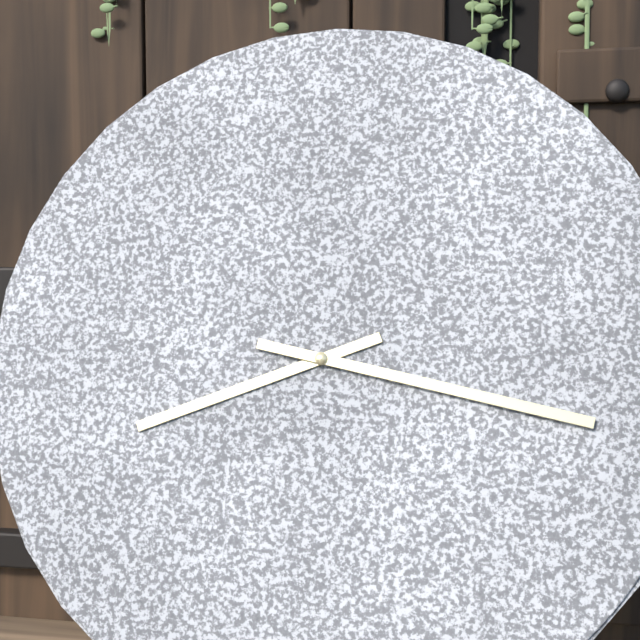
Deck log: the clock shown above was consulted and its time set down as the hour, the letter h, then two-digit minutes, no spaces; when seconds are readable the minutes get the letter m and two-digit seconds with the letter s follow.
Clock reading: 8h17
